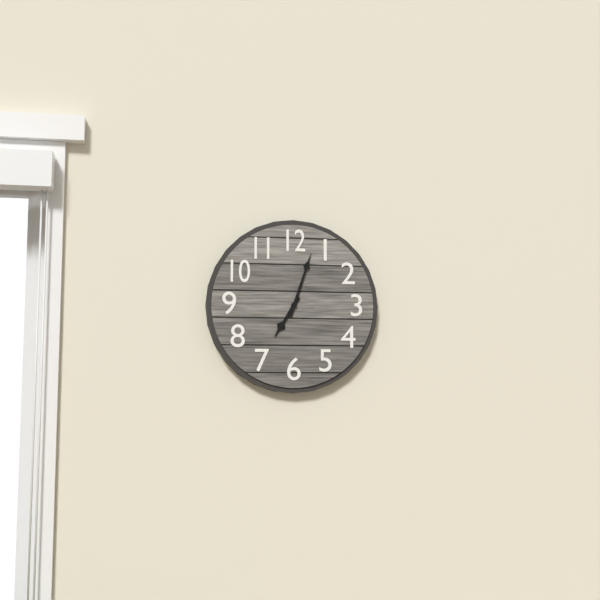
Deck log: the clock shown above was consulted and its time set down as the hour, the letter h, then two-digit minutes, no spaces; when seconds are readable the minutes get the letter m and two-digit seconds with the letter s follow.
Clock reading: 7h03
